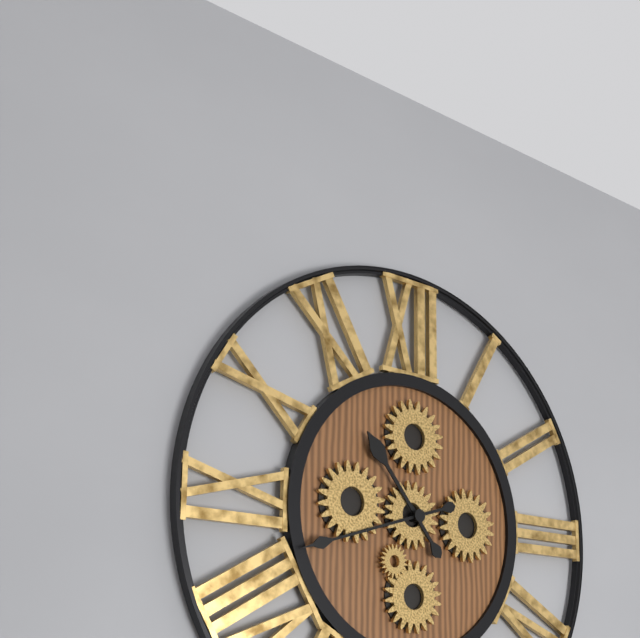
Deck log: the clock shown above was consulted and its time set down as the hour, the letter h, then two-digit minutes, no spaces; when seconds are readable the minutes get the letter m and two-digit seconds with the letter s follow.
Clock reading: 10h42
